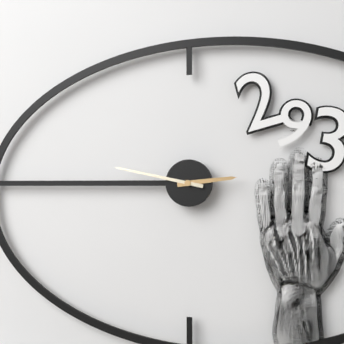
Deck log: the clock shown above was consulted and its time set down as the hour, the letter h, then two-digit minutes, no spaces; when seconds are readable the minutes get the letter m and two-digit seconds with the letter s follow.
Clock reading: 2h47
